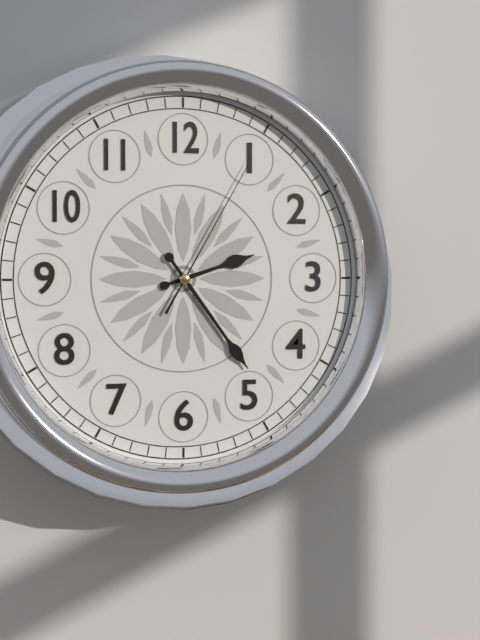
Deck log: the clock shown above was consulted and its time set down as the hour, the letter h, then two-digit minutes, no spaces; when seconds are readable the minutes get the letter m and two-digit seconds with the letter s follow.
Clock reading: 2h24m05s
